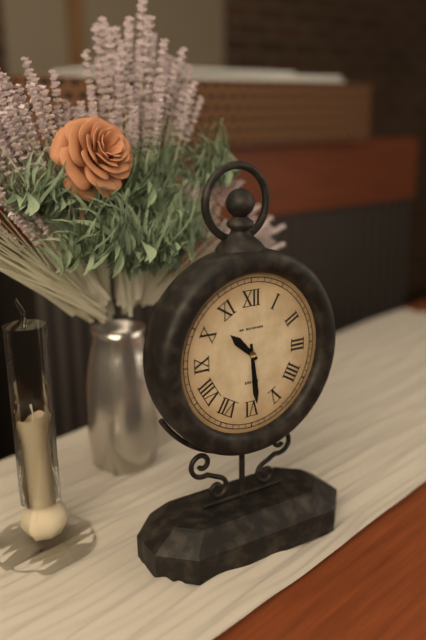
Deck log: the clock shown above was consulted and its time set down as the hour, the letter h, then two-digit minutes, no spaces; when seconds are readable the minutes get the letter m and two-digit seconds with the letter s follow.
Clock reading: 10h29
